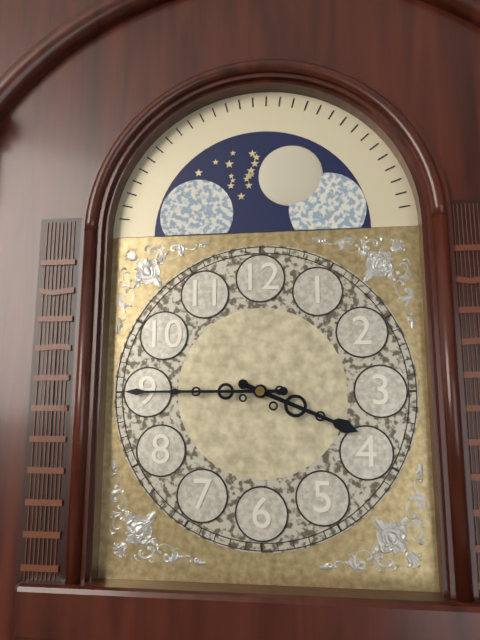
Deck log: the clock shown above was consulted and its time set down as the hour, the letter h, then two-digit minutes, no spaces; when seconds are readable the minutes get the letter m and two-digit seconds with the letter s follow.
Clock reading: 3h45
